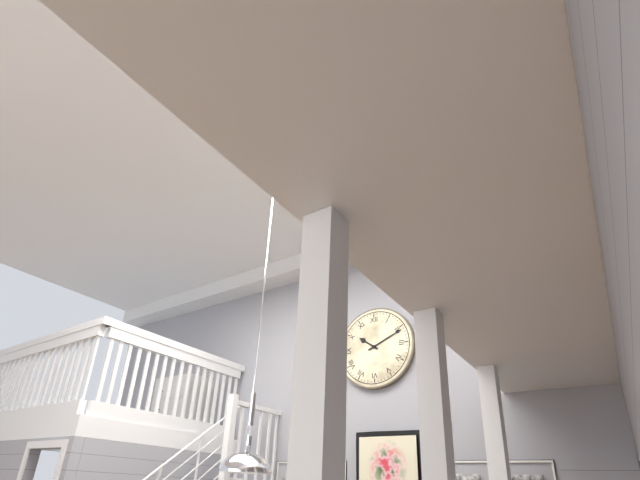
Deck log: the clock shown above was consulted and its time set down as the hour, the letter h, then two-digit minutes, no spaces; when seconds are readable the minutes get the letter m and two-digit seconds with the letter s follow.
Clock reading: 10h11
